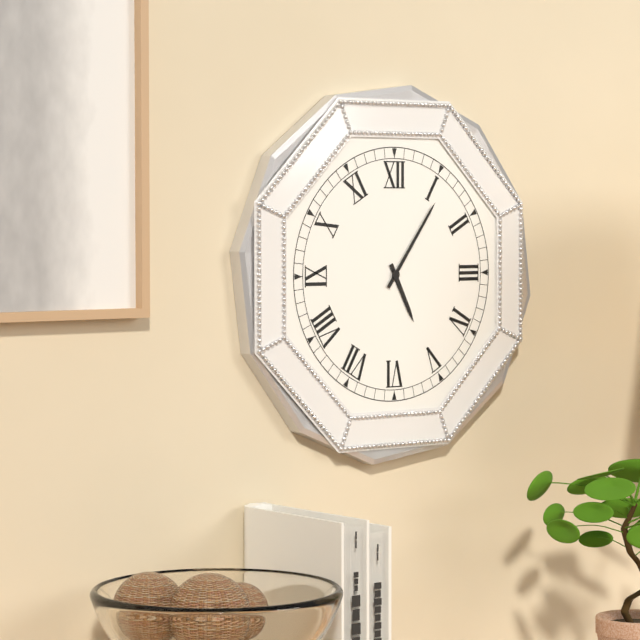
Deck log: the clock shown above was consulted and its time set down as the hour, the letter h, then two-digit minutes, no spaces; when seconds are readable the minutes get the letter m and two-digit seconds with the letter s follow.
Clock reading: 5h06
